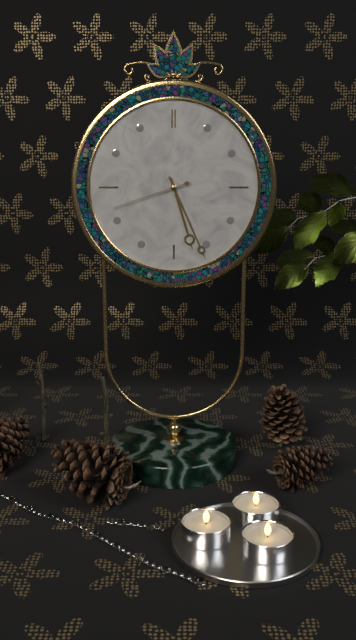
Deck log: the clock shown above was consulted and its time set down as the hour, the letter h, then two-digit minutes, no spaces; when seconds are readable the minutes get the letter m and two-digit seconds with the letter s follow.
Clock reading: 5h26m42s
